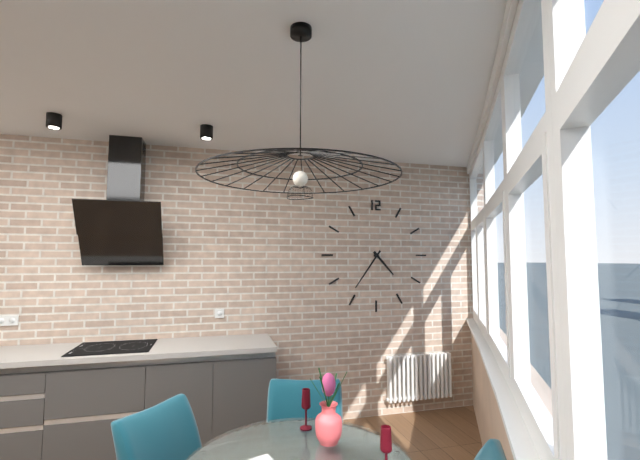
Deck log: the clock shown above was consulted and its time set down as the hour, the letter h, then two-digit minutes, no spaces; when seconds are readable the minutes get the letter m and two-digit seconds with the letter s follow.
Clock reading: 4h36
